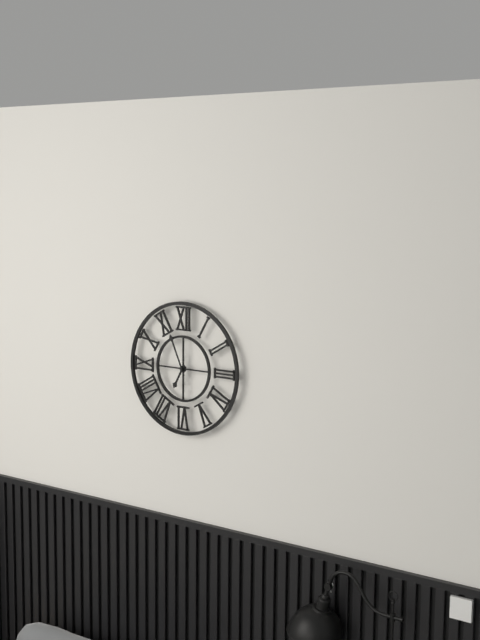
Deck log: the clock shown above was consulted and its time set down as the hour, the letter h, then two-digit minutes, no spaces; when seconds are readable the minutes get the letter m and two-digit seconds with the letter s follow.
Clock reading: 6h56
